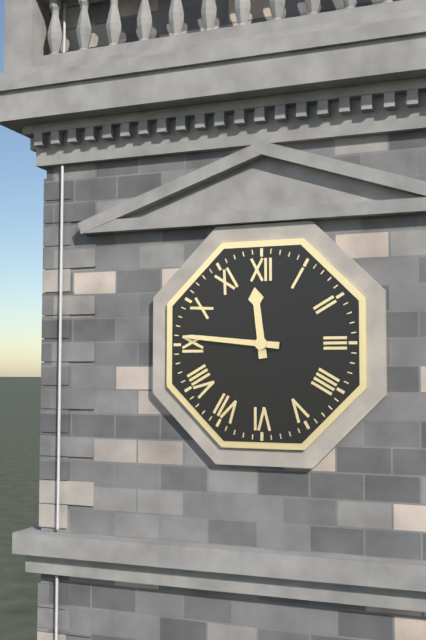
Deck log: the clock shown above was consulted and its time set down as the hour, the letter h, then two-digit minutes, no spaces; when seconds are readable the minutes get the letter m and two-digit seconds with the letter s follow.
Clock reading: 11h46
